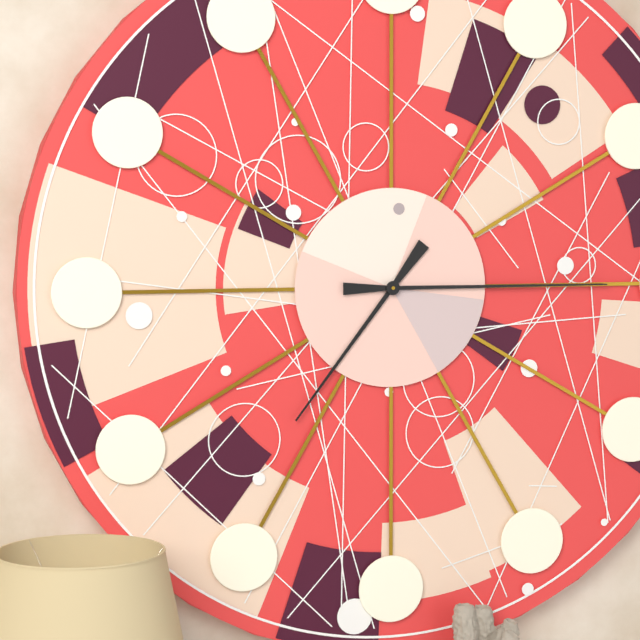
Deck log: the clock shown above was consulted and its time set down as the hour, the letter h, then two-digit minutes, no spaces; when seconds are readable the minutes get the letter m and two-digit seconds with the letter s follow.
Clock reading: 7h15
